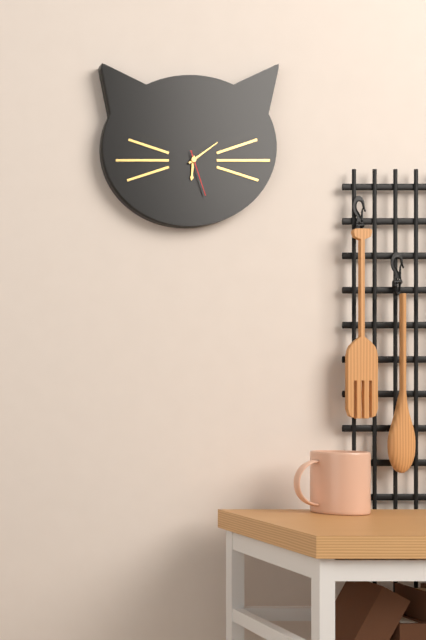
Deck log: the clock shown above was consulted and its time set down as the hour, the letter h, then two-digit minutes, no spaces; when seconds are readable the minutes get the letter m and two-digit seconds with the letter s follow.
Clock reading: 6h09
